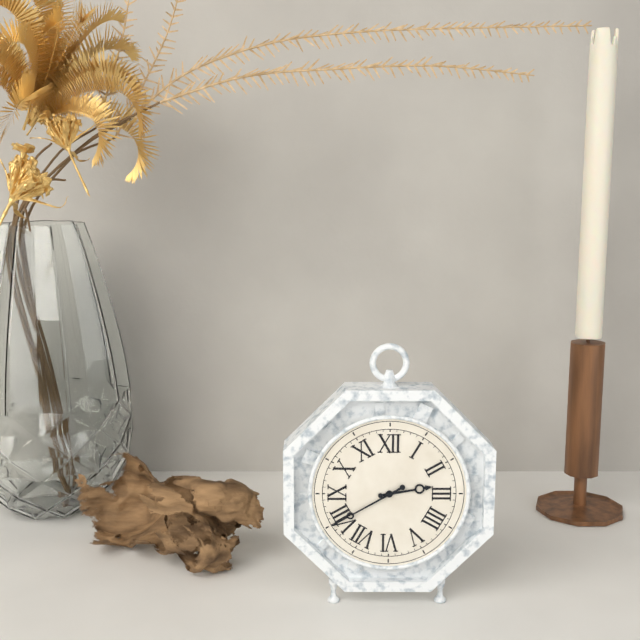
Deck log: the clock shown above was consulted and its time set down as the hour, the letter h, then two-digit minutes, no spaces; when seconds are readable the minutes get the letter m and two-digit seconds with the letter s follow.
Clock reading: 2h40
